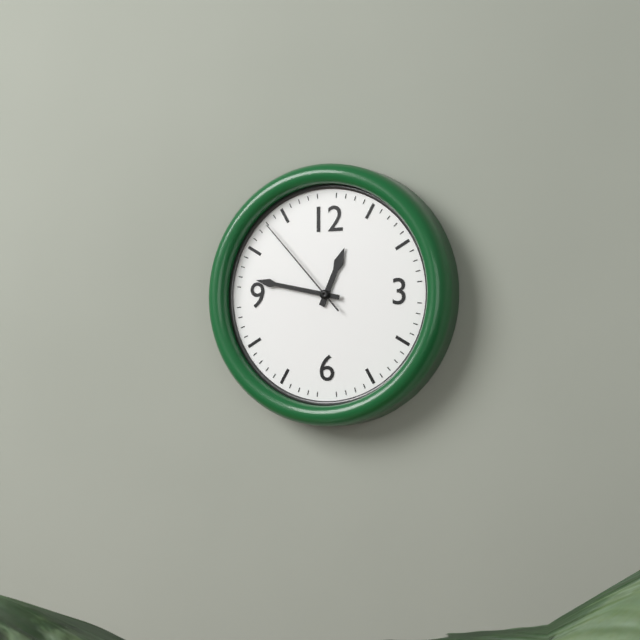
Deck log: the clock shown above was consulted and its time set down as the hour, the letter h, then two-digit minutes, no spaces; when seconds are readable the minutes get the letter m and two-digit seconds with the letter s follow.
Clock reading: 12h47m53s
